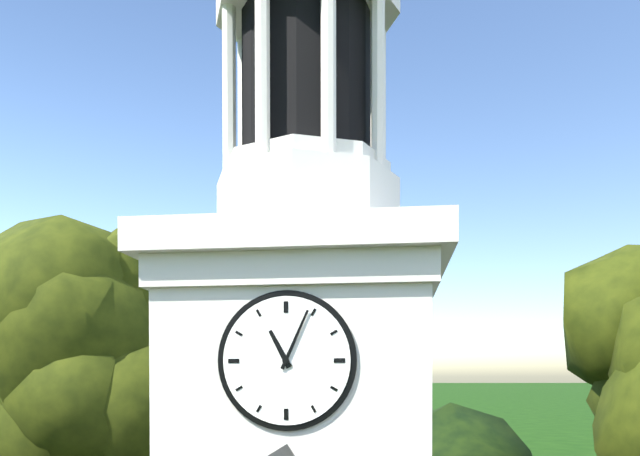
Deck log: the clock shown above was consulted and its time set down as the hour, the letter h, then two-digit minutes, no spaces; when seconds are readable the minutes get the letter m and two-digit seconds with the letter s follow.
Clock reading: 11h04
